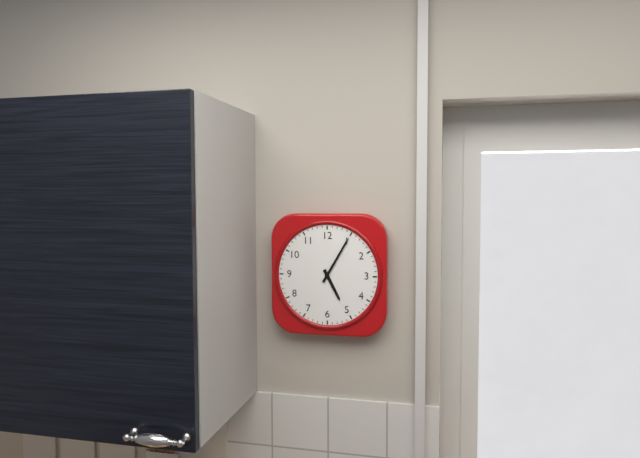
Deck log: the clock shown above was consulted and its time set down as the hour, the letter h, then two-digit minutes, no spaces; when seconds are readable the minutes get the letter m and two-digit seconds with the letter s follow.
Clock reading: 5h05
